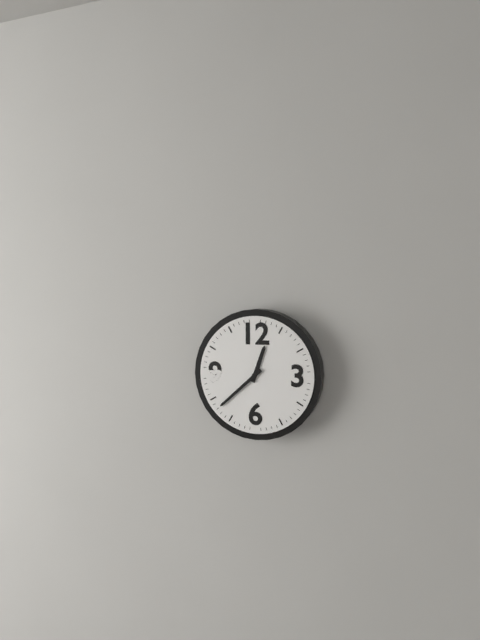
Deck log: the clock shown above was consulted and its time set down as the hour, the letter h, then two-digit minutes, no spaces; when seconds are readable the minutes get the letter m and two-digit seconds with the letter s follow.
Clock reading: 12h38
